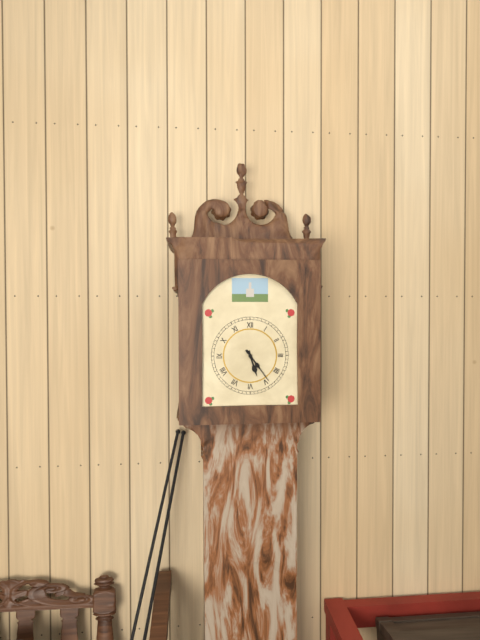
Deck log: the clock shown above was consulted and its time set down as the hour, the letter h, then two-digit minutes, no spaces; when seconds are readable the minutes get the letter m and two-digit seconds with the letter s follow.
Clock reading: 5h24
